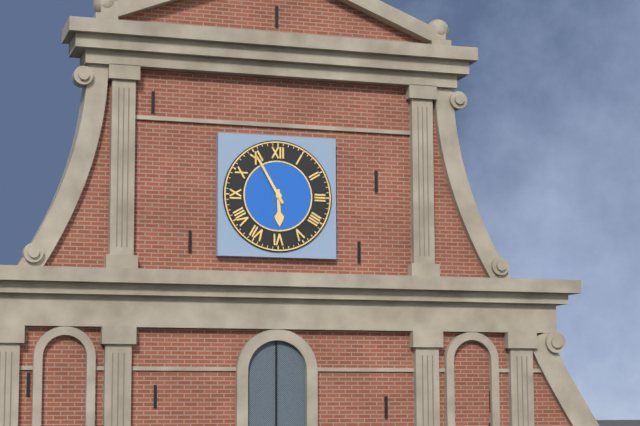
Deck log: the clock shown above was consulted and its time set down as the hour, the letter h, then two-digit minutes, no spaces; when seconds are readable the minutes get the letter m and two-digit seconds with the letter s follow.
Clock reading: 5h55
